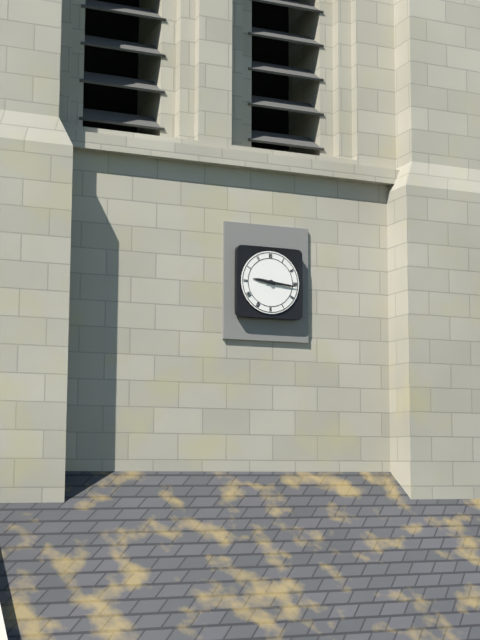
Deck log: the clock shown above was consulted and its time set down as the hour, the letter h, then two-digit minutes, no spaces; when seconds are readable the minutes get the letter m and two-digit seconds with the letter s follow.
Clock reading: 9h16
